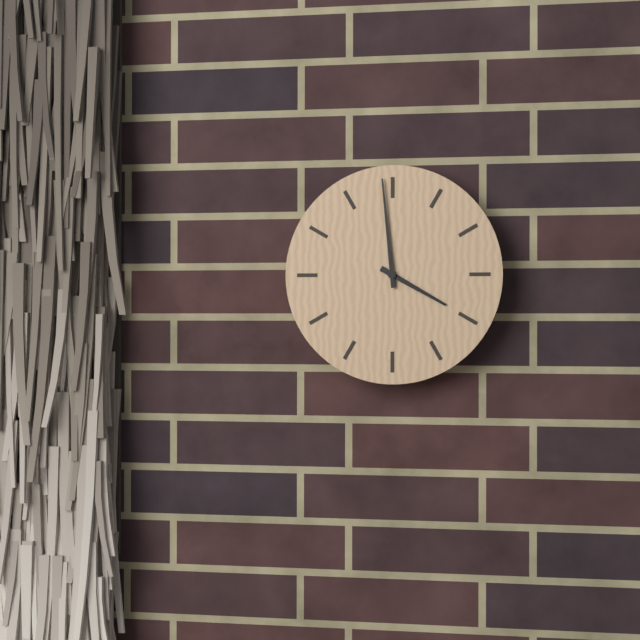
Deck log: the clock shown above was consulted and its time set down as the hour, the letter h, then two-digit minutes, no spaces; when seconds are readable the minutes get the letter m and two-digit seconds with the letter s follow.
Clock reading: 3h59
